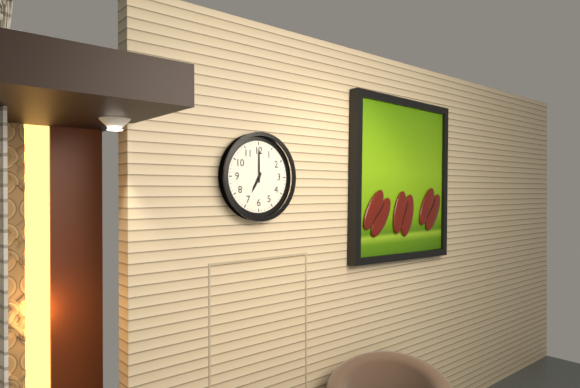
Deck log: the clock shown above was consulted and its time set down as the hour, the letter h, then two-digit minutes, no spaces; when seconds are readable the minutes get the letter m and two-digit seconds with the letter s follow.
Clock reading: 7h00
